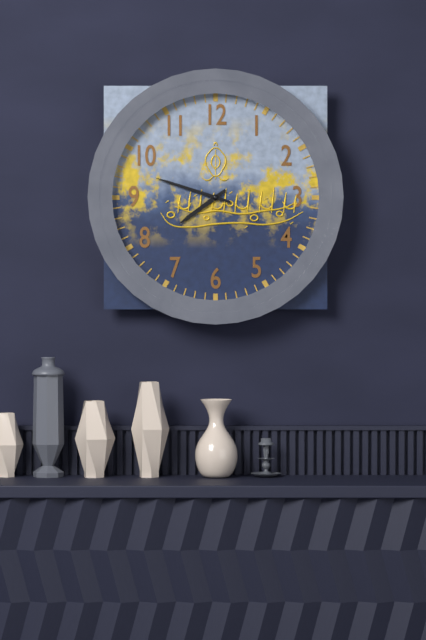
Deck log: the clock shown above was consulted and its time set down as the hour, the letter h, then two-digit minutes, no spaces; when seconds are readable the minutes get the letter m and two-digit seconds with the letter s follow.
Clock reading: 7h48
